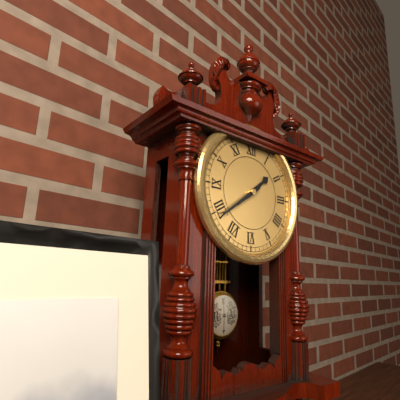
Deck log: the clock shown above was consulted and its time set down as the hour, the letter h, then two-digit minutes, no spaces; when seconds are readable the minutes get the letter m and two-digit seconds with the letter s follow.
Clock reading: 1h39
